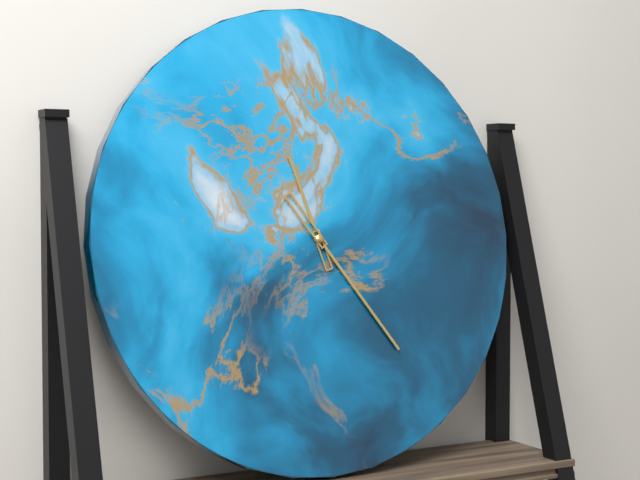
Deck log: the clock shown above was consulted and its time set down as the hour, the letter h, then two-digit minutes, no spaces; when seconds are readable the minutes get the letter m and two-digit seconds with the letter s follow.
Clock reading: 11h24
